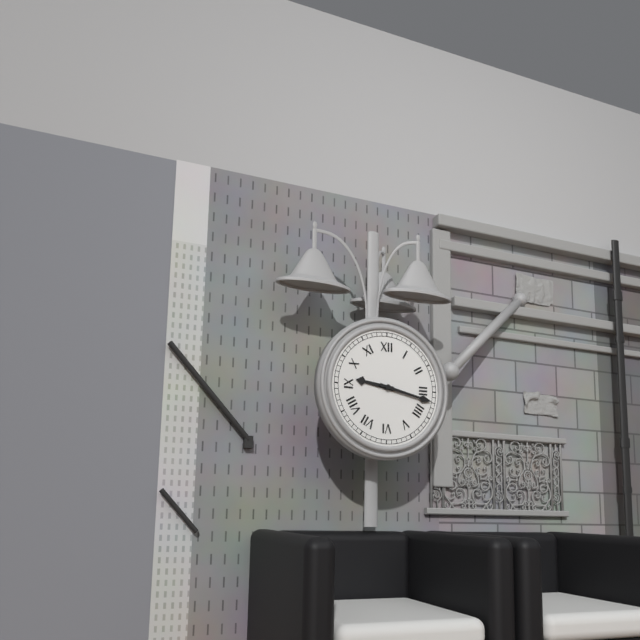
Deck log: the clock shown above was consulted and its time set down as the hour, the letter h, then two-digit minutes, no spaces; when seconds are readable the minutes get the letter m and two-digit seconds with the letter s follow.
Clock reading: 9h17
